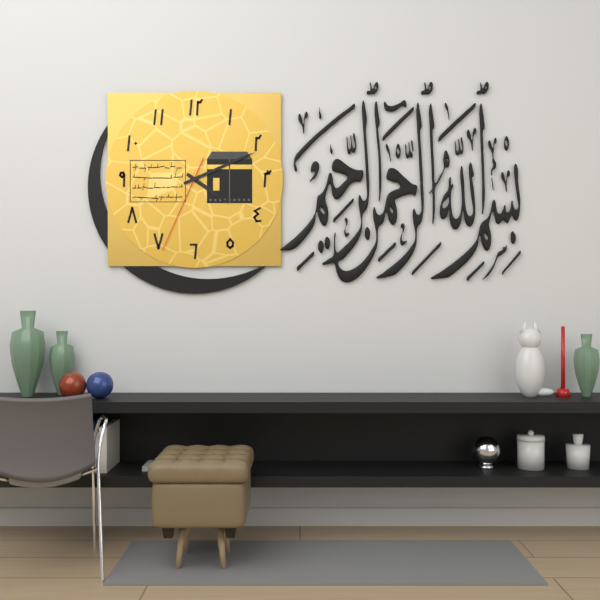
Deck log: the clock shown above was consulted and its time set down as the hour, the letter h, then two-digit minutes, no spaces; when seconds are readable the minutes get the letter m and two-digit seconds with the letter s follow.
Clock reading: 4h11m34s
